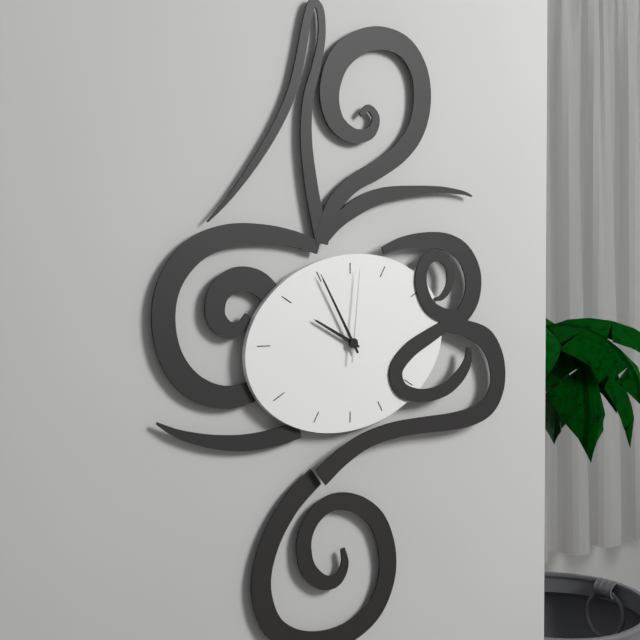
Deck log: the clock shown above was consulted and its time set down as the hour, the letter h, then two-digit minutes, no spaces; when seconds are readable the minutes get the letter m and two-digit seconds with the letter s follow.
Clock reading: 9h55m01s
